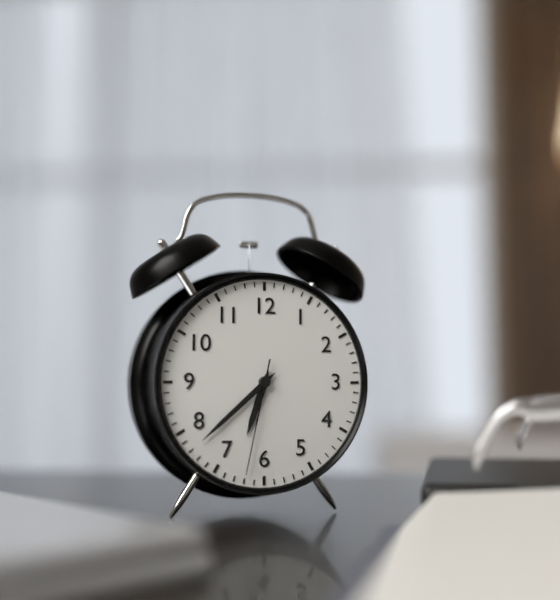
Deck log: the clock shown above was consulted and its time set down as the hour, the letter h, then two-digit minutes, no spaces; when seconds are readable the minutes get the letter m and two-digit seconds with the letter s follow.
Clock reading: 6h38m32s
